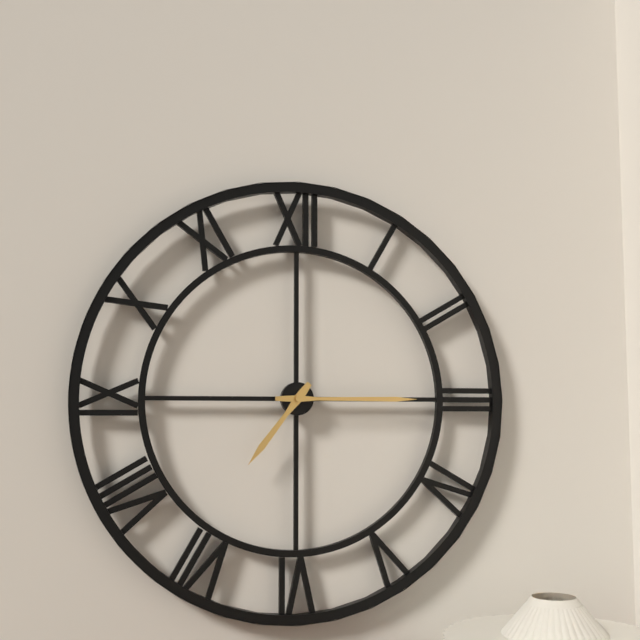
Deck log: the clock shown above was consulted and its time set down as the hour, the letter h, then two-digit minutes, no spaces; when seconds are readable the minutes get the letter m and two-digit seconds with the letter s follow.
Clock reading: 7h15
